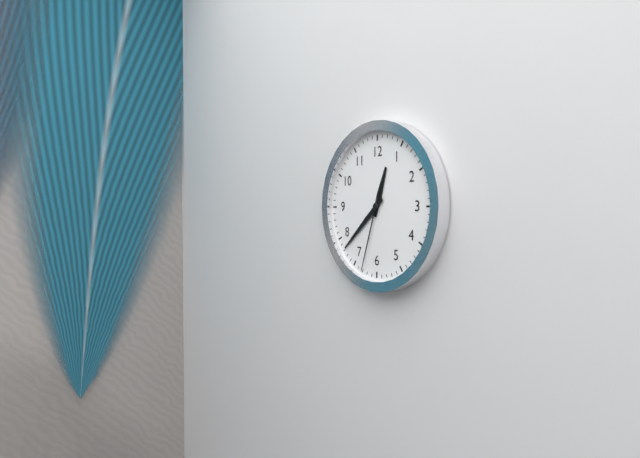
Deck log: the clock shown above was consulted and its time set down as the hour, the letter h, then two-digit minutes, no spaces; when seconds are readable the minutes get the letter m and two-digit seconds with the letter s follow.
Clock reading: 12h38m33s
